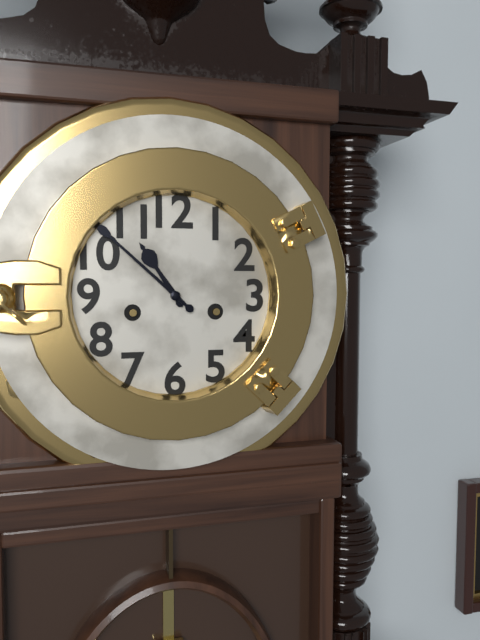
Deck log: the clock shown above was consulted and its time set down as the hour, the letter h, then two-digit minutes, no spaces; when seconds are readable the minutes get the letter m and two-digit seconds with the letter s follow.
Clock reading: 10h52
